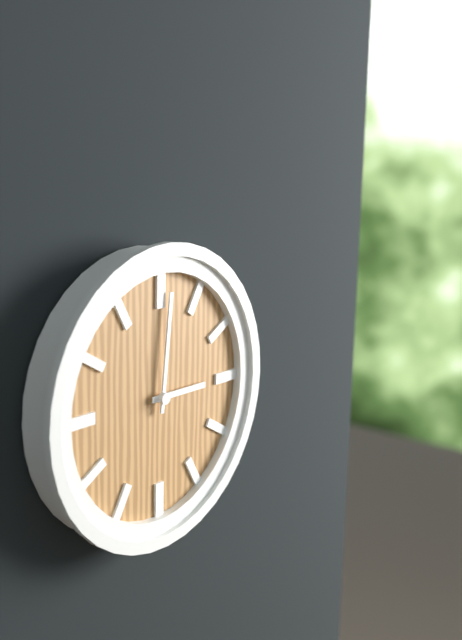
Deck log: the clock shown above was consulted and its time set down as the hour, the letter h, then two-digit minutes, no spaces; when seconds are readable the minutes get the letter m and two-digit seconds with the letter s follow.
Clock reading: 3h01
